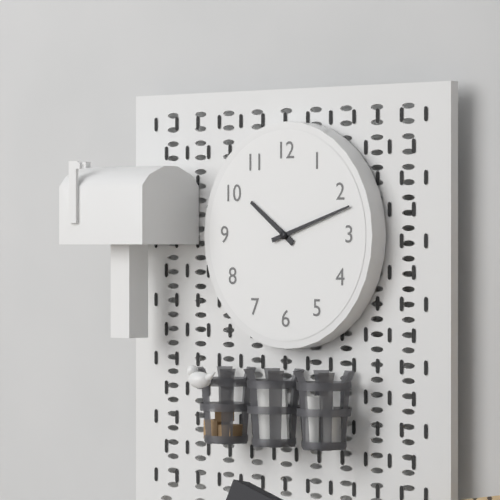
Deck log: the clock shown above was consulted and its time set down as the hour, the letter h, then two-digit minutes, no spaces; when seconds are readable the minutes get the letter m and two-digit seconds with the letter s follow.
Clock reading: 10h12
